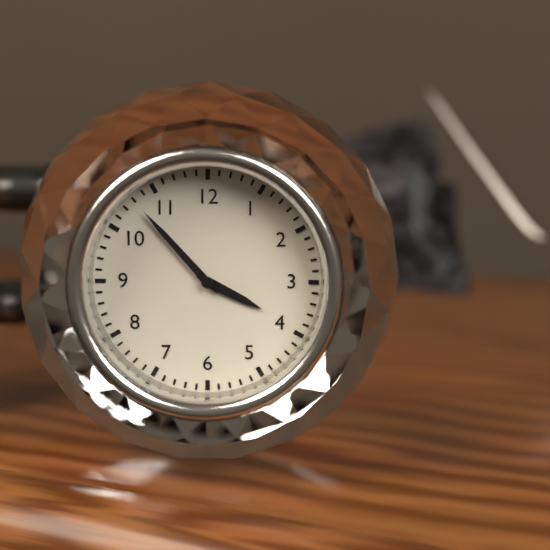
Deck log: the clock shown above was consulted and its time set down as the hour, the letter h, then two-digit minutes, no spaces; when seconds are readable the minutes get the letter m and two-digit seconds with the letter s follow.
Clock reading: 3h53
